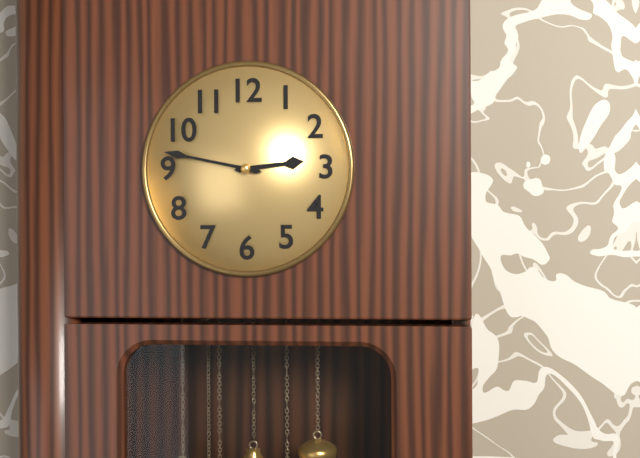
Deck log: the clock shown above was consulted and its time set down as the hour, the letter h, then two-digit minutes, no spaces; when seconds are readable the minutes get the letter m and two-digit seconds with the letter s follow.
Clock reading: 2h47
